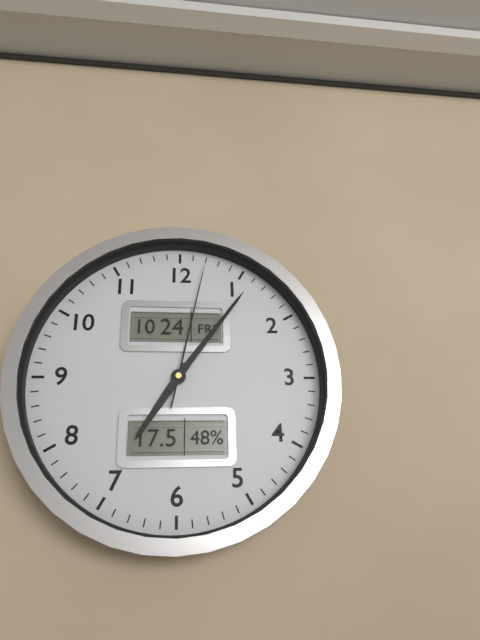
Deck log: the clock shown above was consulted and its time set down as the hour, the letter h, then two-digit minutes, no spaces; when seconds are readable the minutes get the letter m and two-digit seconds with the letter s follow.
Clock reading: 7h06m02s
